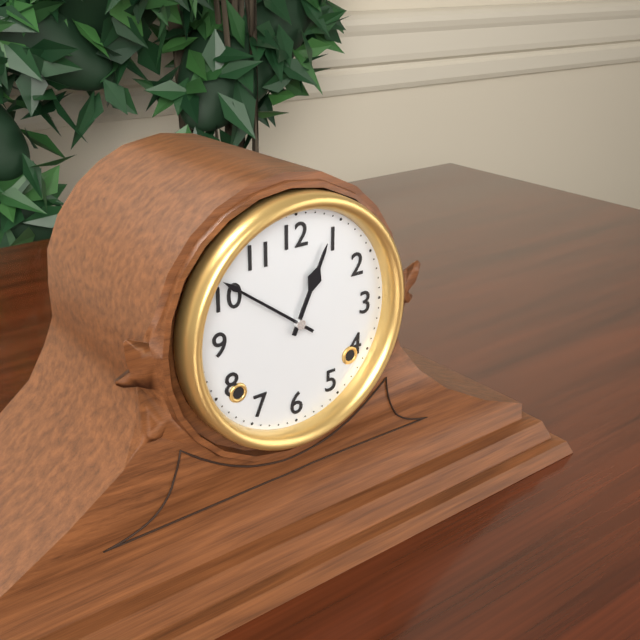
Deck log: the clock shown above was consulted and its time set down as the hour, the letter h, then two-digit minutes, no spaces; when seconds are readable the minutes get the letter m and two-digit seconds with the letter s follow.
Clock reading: 12h51
